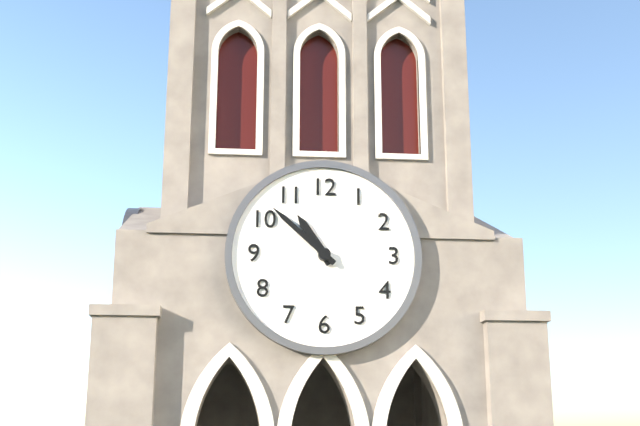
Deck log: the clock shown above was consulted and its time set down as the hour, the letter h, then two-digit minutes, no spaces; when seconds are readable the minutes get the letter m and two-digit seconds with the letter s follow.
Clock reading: 10h52
